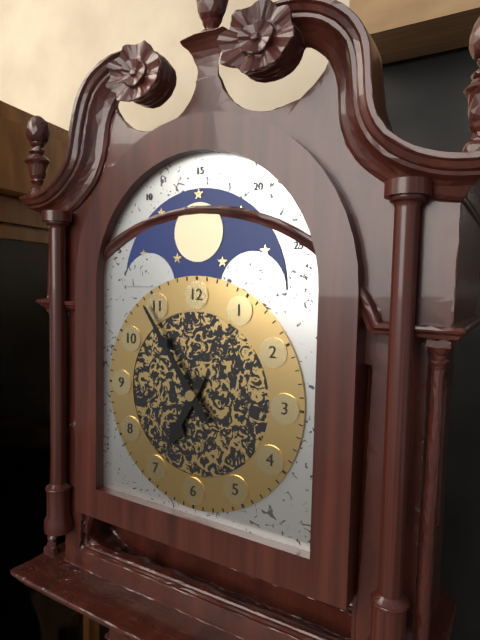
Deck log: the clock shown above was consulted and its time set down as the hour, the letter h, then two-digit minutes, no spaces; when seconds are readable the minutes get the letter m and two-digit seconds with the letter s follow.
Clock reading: 6h54
